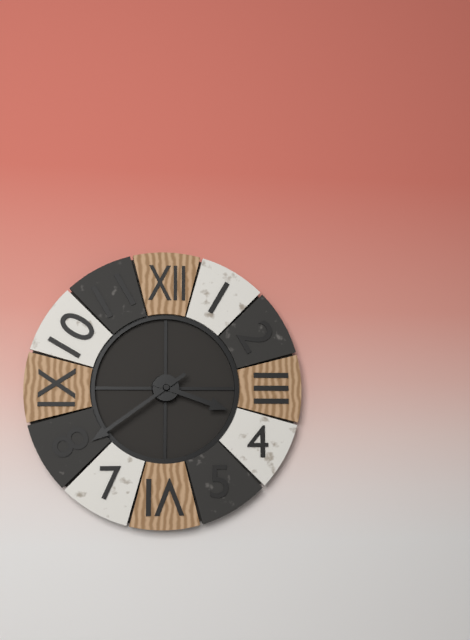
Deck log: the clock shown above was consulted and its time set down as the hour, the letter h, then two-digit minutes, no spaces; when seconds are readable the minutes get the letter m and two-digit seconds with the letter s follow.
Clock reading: 3h39
